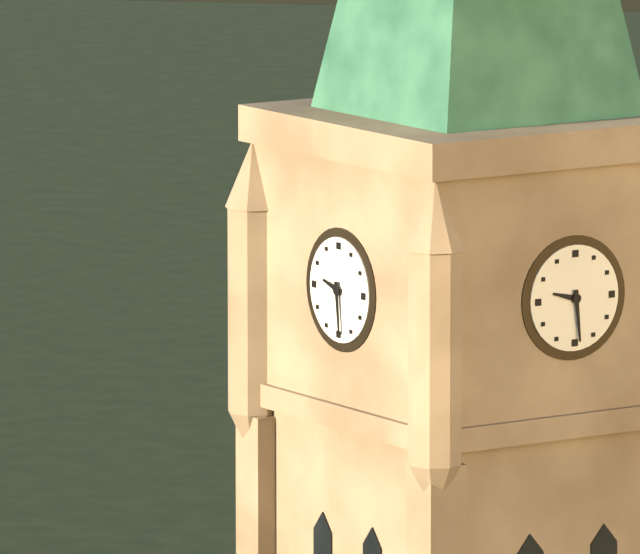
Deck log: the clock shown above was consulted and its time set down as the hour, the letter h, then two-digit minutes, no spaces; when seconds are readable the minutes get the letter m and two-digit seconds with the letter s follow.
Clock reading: 9h29
